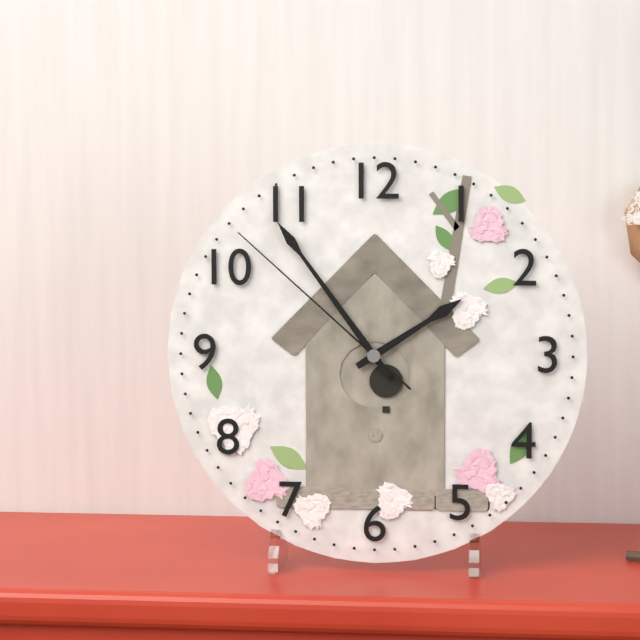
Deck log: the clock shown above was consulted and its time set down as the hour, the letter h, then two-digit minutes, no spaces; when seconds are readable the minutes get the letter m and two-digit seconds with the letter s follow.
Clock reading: 1h54m52s
